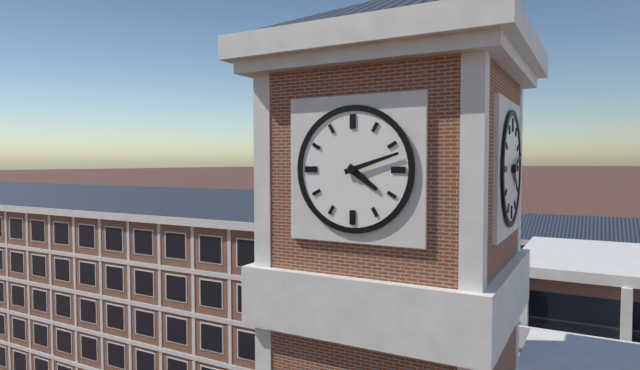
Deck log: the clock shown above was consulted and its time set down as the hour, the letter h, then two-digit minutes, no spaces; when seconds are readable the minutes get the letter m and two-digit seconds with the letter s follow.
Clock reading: 4h12
